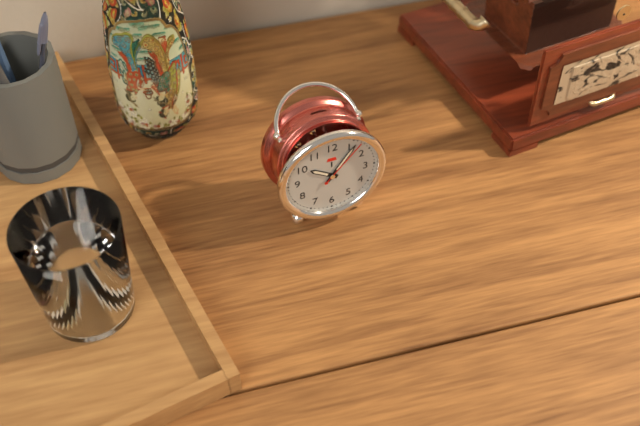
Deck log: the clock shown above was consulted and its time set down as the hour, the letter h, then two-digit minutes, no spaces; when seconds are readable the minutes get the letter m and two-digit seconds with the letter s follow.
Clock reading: 10h06m07s
